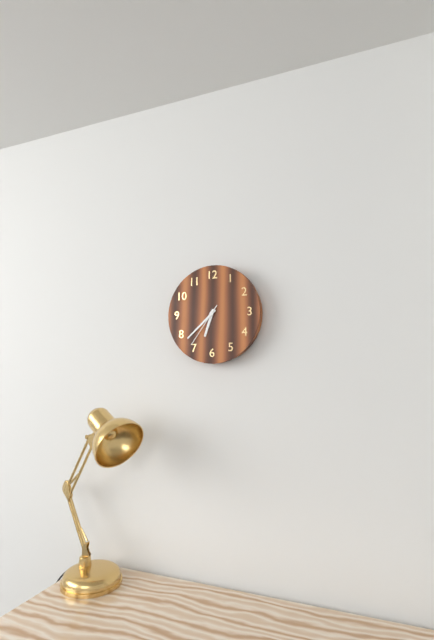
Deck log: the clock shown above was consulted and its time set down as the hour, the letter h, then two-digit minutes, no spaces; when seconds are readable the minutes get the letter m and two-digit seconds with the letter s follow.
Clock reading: 6h38
